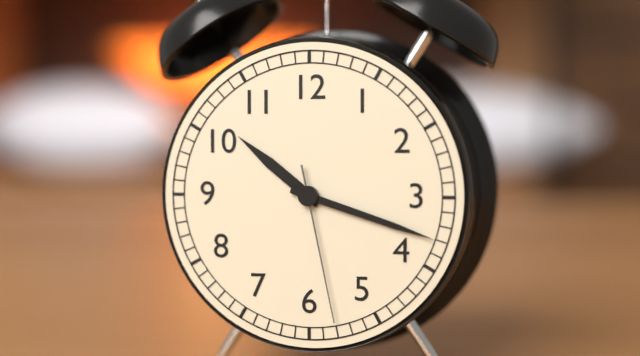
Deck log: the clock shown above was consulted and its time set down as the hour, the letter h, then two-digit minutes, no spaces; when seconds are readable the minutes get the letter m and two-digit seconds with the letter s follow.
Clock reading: 10h18m28s
